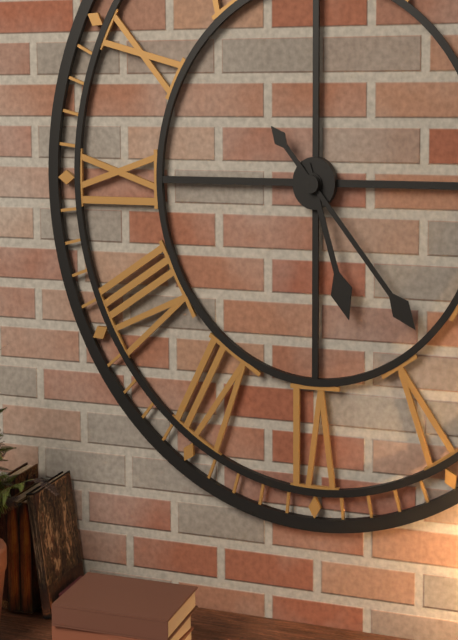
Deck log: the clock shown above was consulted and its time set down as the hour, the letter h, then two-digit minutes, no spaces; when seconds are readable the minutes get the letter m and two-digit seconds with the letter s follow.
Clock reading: 5h23
